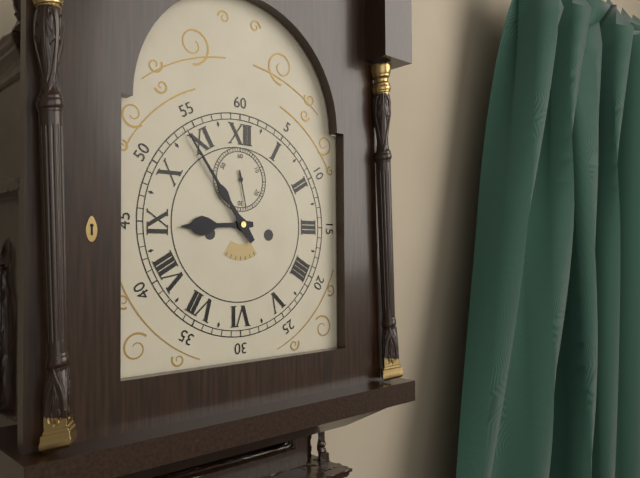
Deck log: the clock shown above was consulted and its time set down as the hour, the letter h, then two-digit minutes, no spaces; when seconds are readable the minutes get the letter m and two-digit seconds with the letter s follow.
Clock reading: 8h54
